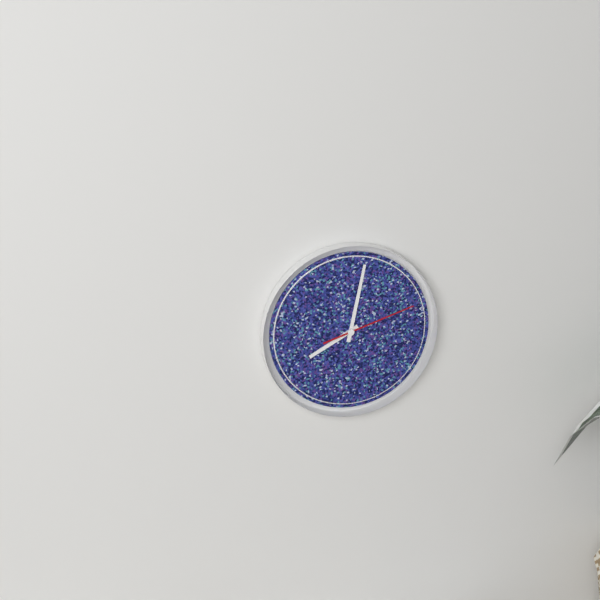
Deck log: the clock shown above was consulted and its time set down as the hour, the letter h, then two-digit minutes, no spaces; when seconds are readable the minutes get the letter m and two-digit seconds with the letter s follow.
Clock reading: 8h02m12s
